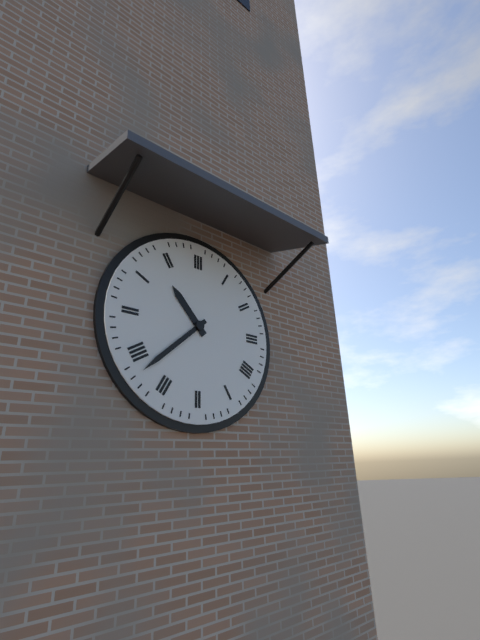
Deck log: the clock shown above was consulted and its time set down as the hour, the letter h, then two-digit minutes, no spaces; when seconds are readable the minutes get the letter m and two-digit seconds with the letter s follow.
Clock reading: 10h38
